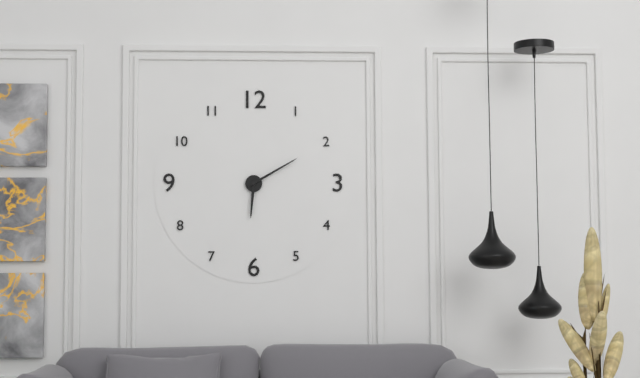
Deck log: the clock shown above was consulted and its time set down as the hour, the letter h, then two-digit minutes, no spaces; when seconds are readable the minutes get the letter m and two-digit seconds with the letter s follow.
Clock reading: 6h10
